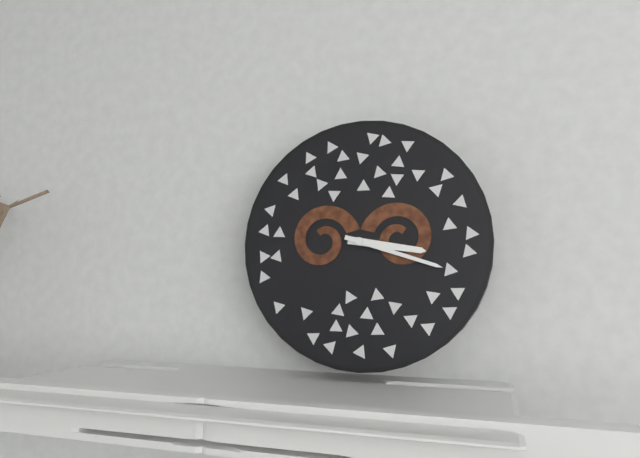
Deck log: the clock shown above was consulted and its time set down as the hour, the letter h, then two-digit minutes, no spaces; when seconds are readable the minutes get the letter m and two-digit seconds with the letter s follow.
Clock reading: 3h18
